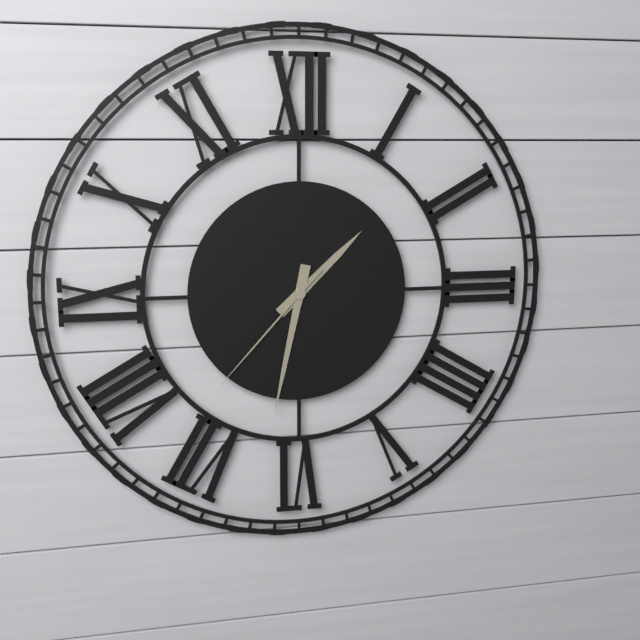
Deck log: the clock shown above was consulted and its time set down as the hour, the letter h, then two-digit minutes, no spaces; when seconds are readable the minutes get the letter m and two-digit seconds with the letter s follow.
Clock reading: 1h32m37s
